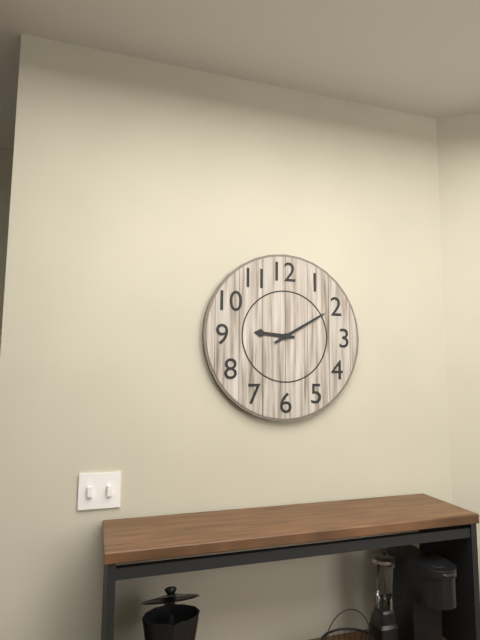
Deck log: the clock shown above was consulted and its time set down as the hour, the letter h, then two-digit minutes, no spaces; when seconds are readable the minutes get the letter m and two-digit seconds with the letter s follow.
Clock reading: 9h10
